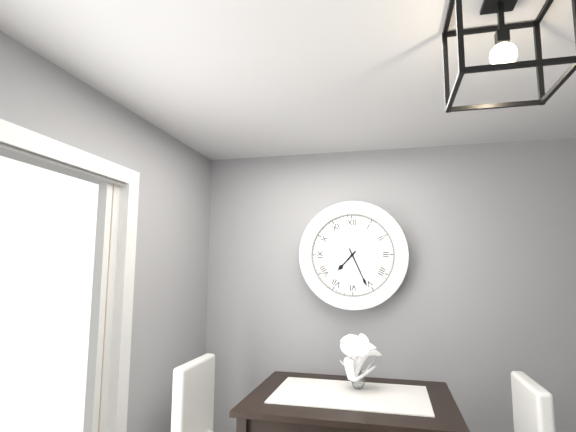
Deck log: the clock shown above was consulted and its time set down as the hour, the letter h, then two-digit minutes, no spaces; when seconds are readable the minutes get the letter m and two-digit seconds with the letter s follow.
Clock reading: 7h26
